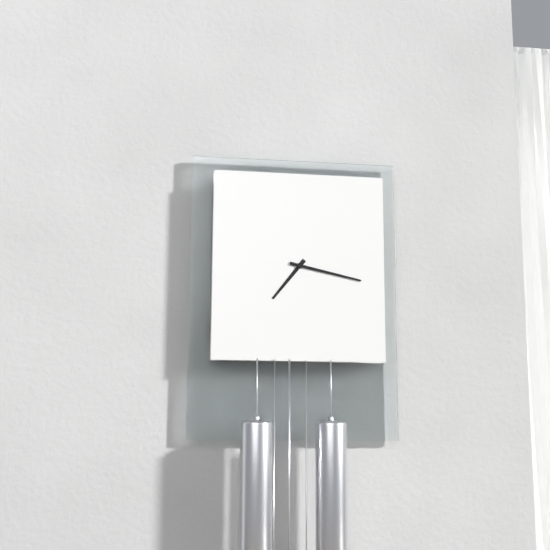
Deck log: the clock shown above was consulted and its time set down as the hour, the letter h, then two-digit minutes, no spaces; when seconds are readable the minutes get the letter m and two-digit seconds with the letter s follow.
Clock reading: 7h17
